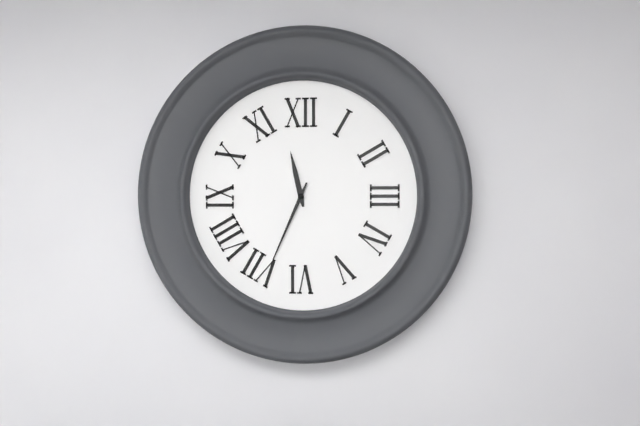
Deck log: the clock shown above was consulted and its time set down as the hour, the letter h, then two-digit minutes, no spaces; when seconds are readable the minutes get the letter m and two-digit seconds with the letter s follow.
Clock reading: 11h34
